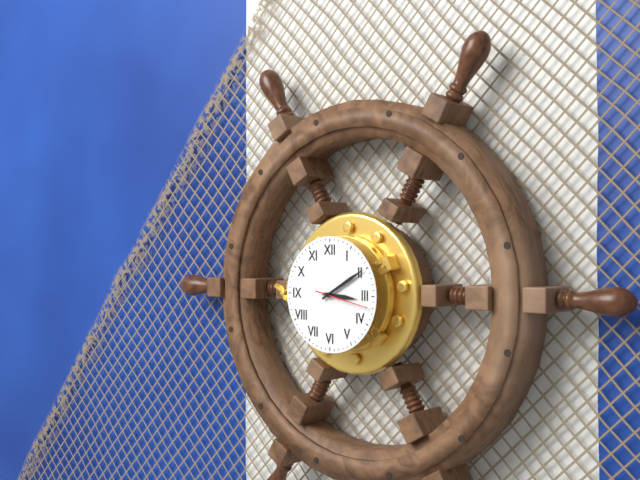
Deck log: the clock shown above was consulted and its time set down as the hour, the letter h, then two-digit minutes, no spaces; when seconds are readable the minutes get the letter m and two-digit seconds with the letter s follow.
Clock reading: 3h10m17s
